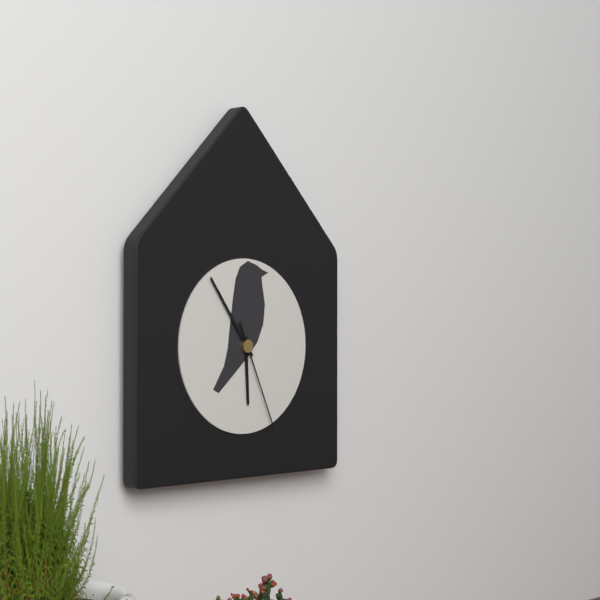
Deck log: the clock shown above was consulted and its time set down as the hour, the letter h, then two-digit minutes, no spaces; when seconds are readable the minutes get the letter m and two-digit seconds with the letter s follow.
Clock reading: 5h54m26s
